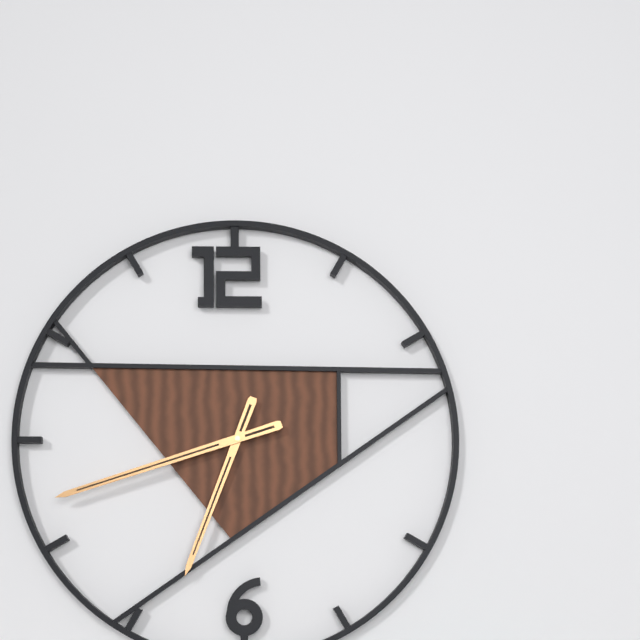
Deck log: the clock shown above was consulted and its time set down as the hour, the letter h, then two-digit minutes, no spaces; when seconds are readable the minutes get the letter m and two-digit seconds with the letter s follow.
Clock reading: 6h42
